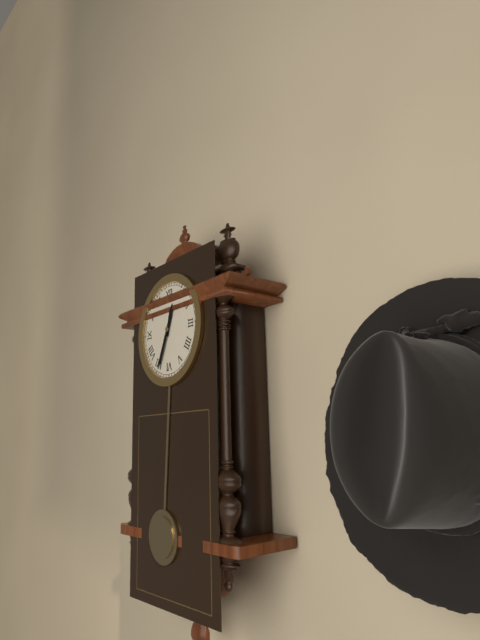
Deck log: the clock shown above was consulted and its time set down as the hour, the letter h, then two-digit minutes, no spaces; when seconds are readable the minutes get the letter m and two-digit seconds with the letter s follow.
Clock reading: 12h34
